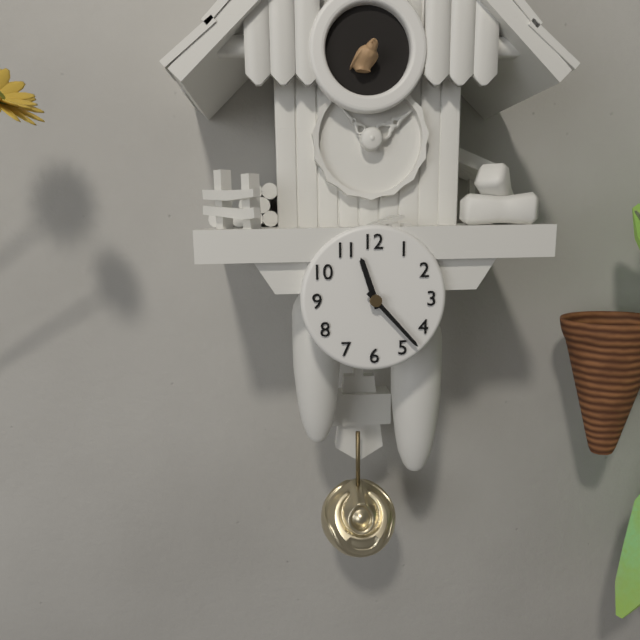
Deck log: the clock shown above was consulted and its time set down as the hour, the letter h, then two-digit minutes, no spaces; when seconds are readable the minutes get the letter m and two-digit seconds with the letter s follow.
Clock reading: 11h23
